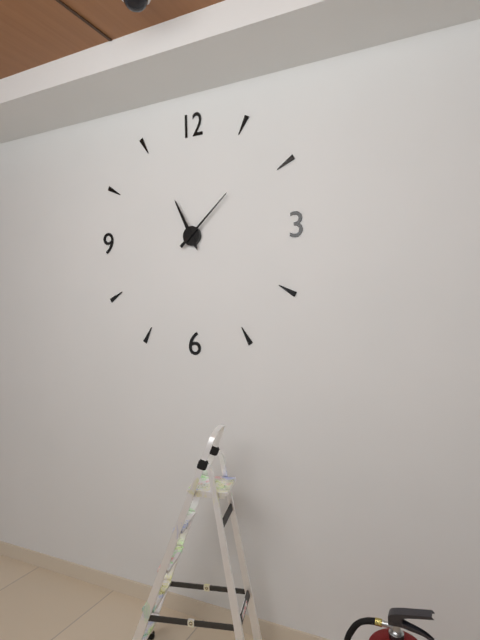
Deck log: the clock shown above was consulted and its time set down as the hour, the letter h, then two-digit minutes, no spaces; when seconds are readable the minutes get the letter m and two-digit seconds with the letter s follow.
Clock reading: 11h08
